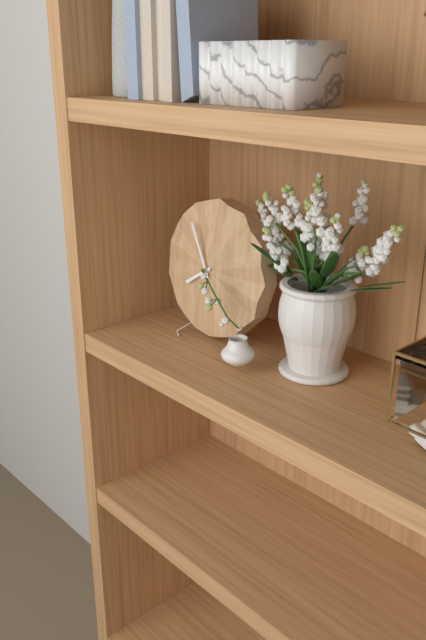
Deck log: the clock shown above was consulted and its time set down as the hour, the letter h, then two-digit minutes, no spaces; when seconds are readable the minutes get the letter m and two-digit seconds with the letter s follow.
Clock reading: 7h55
